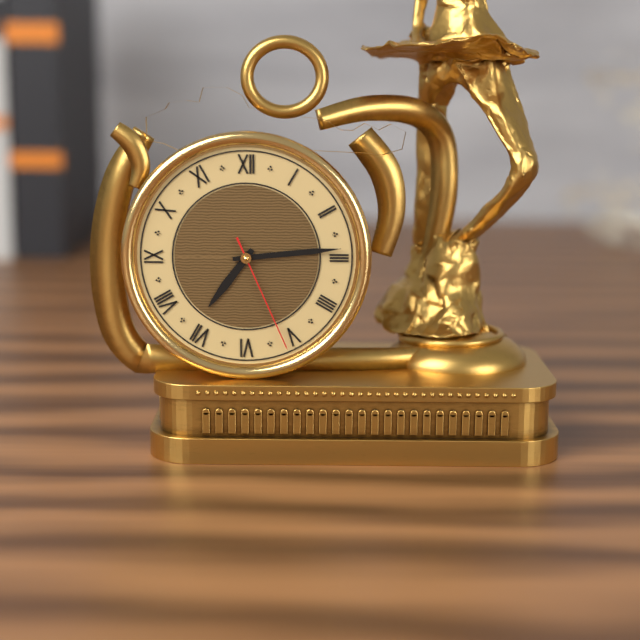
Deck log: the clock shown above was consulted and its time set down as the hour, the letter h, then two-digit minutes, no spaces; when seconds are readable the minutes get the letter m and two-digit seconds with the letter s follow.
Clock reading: 7h14m26s
